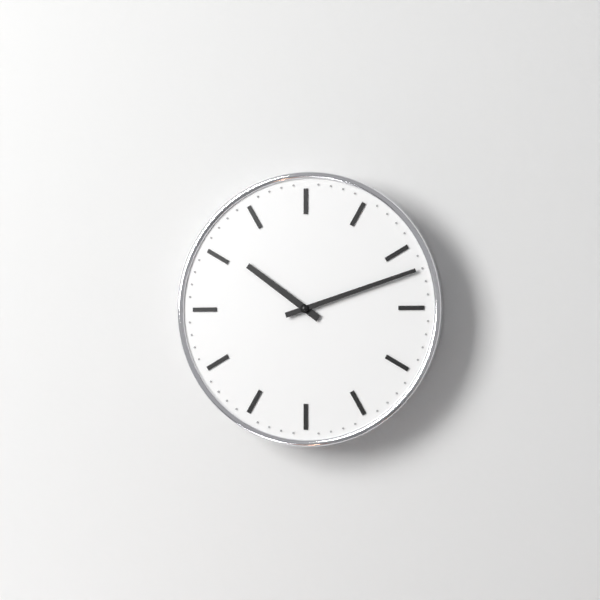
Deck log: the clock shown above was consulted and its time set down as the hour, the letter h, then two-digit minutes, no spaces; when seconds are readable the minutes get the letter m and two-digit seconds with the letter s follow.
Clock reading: 10h12
